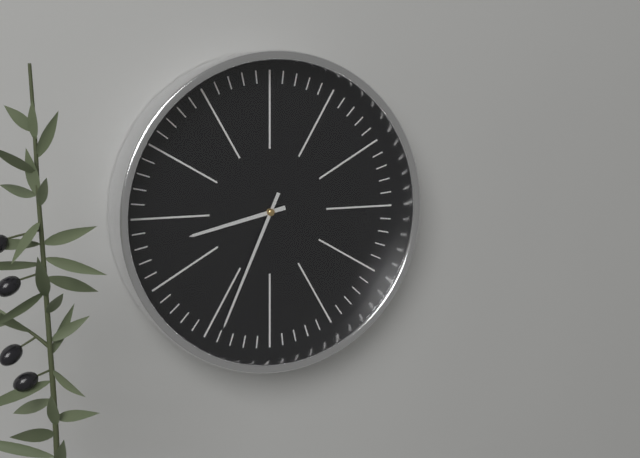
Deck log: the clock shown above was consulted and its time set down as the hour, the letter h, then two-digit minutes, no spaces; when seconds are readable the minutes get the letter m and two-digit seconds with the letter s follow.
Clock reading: 8h34
